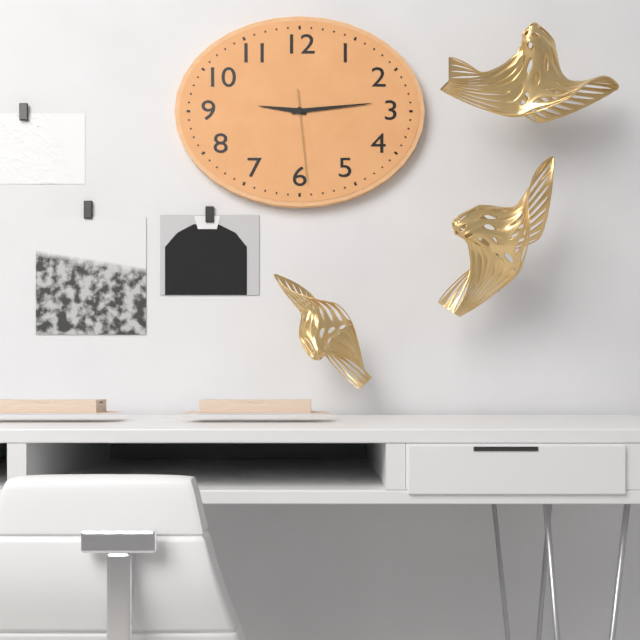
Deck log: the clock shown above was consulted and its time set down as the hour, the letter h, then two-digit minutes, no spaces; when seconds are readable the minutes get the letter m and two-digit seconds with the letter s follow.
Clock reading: 9h14m29s
